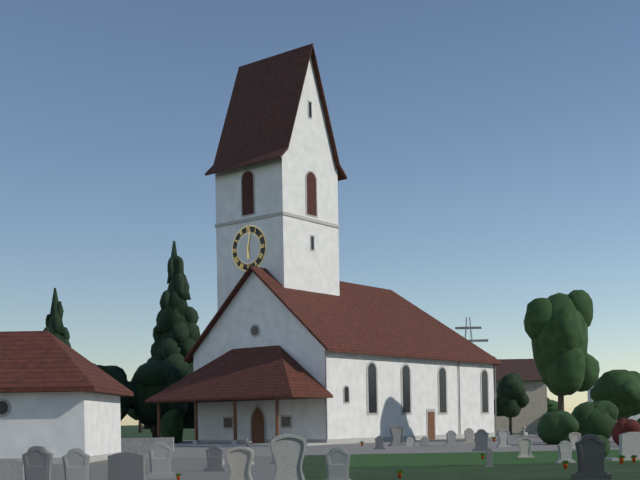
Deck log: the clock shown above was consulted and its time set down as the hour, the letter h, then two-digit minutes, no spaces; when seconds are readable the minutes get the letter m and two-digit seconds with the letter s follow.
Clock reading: 6h02
